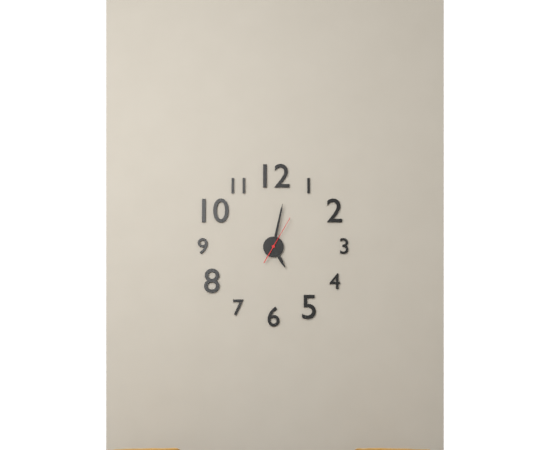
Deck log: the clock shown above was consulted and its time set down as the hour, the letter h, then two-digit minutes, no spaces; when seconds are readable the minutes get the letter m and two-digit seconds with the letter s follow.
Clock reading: 5h02
